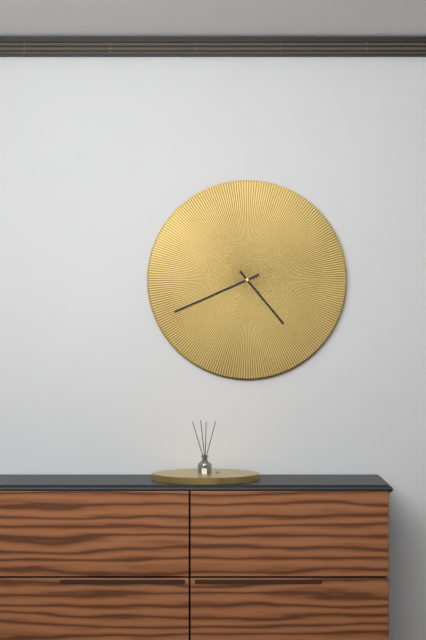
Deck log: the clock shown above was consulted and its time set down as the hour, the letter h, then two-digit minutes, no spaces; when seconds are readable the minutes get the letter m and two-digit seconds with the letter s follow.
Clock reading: 4h41
